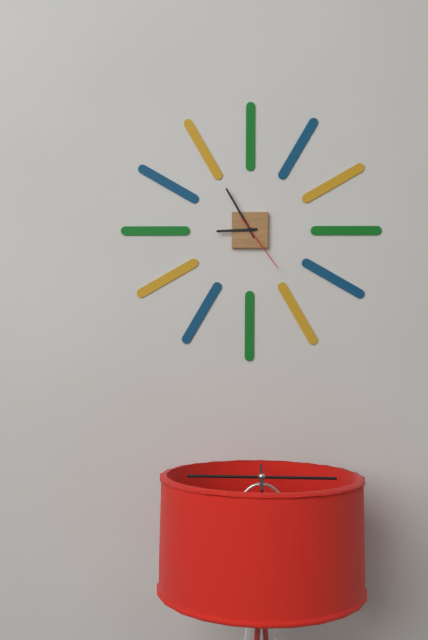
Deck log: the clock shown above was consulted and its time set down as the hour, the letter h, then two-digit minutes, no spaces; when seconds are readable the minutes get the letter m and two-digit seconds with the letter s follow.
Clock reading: 8h55m24s
